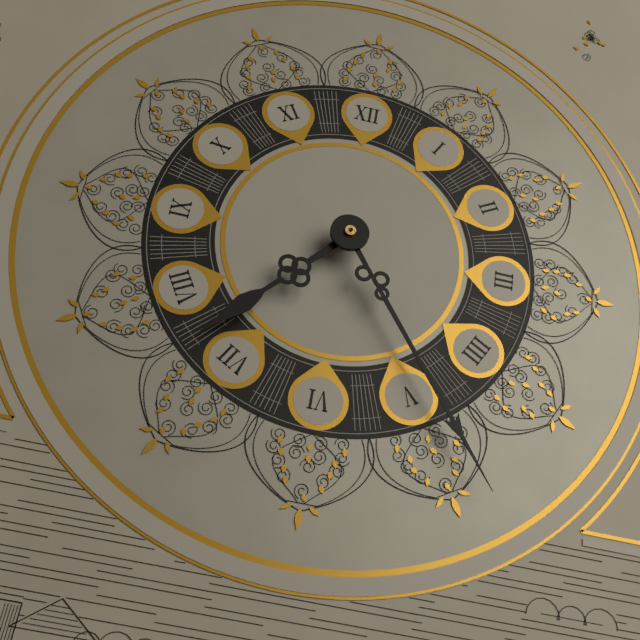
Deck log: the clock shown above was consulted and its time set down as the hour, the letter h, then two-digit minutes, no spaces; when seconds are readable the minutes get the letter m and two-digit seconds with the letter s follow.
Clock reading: 7h24
